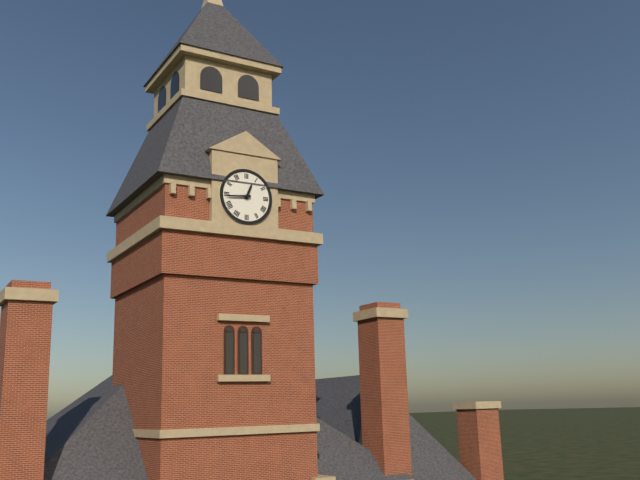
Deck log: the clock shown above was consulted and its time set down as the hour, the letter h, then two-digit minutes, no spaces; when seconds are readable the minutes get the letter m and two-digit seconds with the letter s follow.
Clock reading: 12h44
